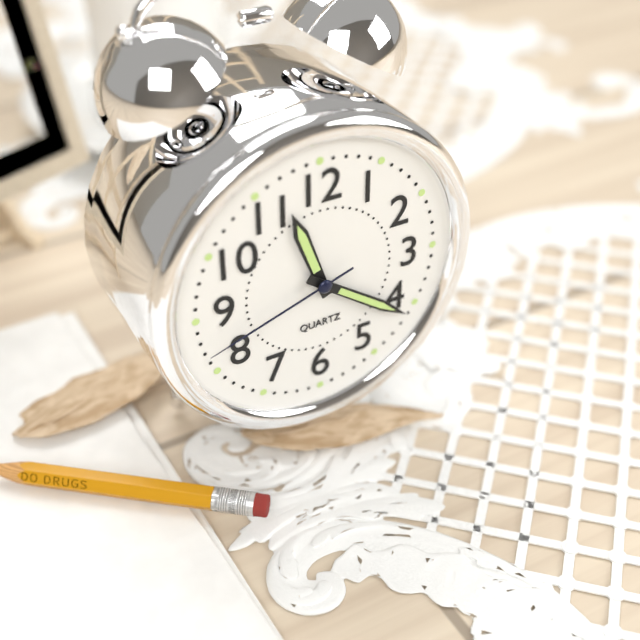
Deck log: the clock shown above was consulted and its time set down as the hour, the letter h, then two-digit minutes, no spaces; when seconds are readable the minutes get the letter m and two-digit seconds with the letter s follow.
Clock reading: 11h21m42s
